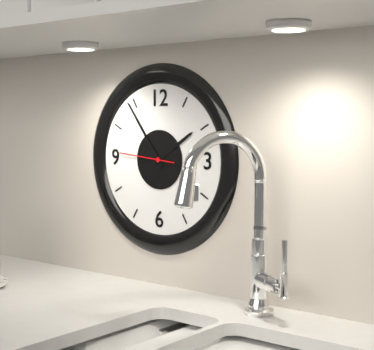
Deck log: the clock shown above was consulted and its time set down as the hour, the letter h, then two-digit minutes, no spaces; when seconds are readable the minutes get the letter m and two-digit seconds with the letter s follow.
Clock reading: 1h54m46s
